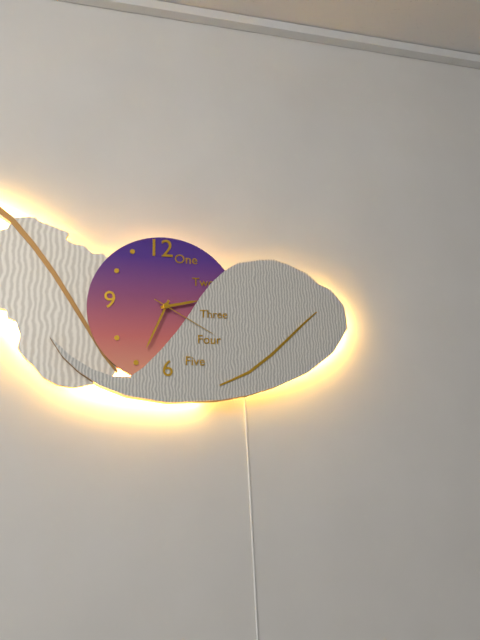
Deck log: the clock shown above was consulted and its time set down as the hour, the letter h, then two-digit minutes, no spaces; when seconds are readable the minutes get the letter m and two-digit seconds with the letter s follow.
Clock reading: 2h34m20s
